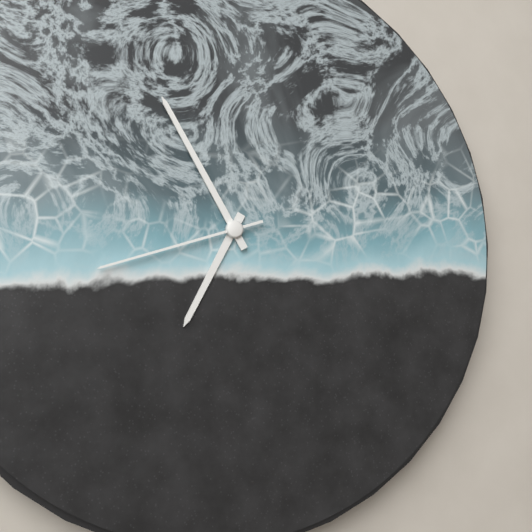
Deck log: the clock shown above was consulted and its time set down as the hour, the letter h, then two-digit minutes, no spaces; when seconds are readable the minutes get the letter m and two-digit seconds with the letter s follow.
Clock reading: 6h55m42s
